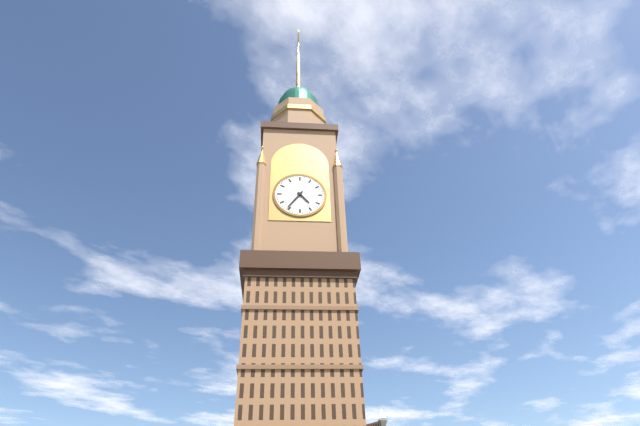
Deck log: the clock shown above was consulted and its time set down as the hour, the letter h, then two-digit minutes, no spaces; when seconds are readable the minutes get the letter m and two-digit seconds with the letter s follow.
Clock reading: 4h36
